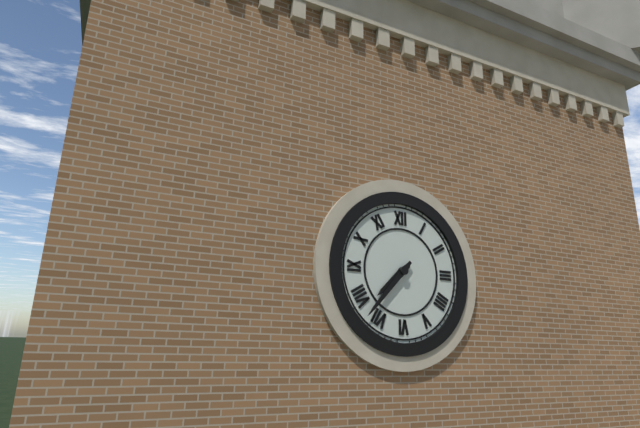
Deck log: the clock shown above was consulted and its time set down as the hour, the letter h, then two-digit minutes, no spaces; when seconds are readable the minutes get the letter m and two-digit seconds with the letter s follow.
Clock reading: 7h37
